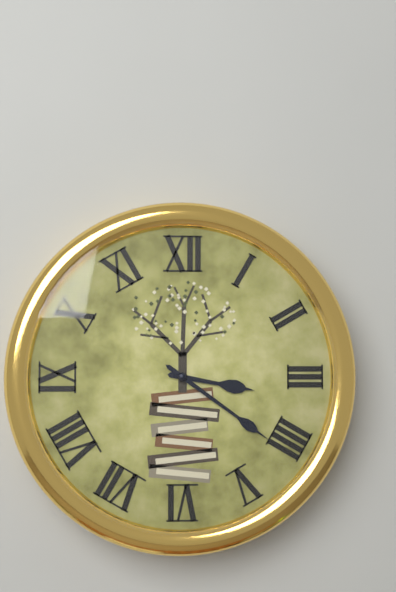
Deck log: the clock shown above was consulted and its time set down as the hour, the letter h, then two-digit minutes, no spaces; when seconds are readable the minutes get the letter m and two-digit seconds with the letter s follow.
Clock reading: 3h21
